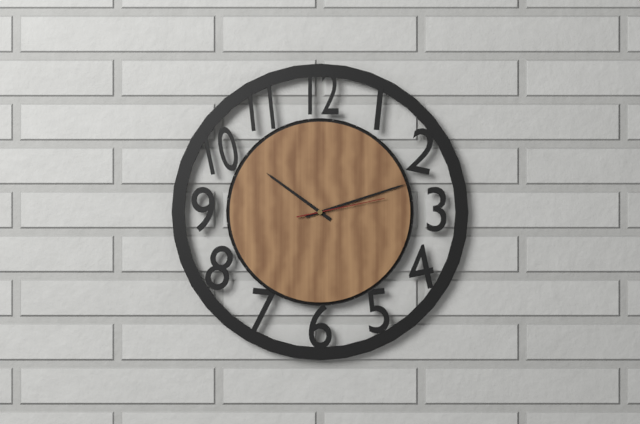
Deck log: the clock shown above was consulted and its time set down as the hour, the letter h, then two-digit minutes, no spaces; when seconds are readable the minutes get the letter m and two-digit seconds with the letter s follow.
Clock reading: 10h12m13s
